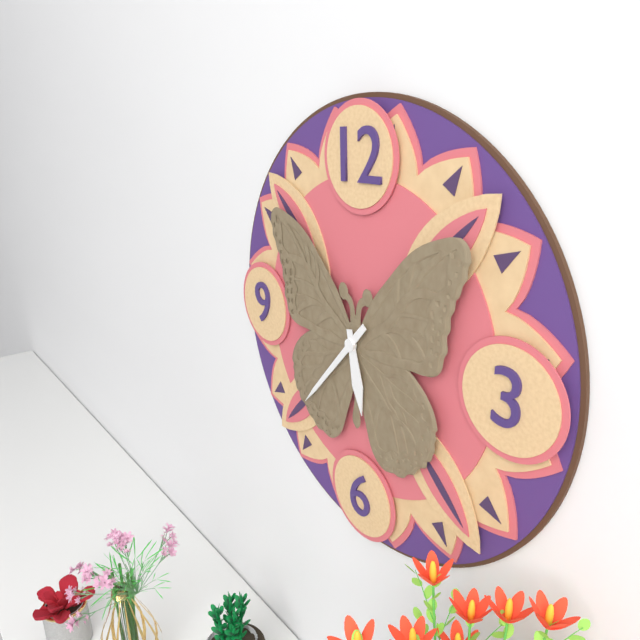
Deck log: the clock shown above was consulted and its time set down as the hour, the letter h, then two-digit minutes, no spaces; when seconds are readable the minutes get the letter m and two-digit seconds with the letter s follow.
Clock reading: 5h37
